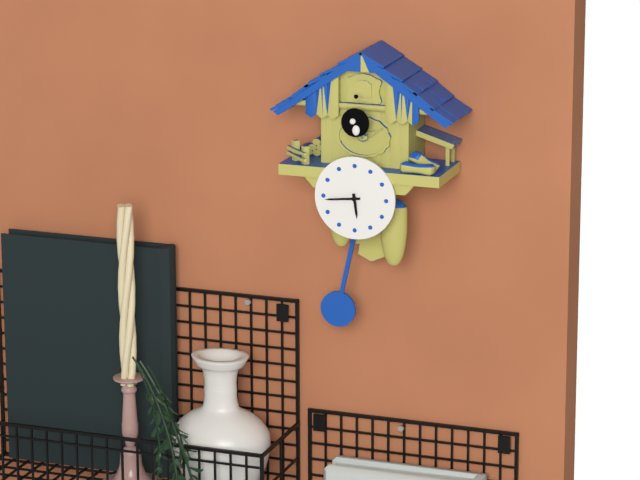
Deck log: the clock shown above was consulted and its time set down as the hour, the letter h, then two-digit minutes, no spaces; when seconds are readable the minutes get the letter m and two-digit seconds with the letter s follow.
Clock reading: 5h44
